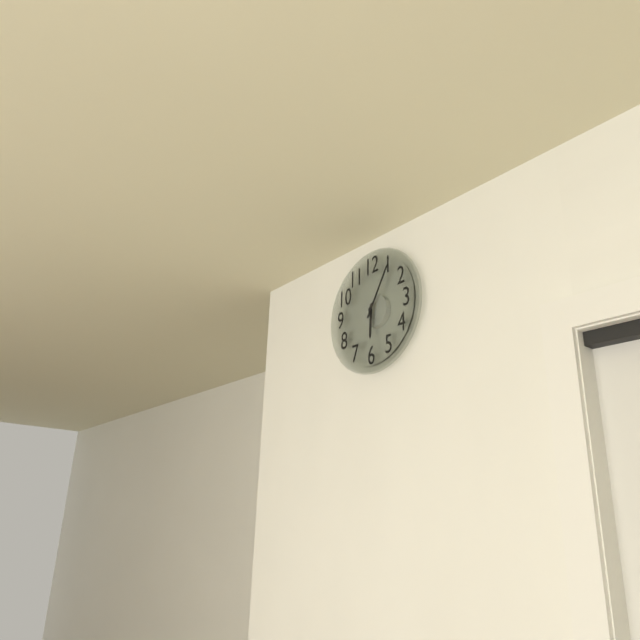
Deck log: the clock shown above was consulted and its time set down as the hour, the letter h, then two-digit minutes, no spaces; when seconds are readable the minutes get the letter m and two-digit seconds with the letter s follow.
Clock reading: 6h05
